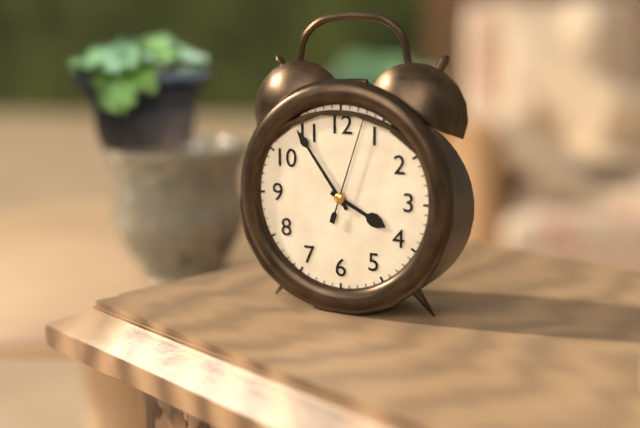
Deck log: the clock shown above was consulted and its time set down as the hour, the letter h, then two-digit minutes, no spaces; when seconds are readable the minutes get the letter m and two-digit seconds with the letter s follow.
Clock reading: 3h54m03s
